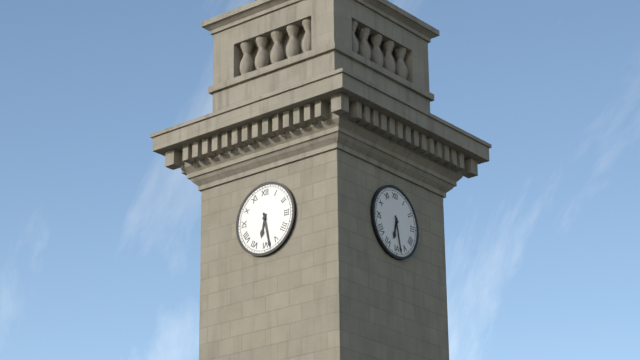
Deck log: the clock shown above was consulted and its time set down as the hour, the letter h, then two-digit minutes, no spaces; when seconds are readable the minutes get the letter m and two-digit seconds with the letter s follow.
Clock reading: 6h28
